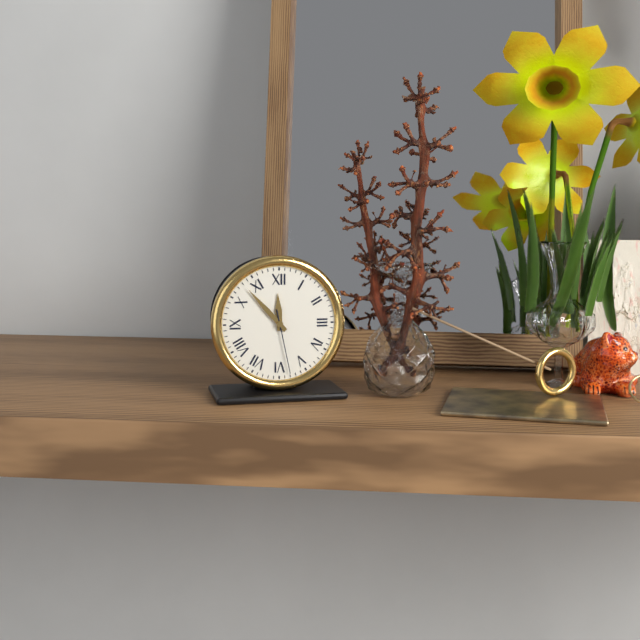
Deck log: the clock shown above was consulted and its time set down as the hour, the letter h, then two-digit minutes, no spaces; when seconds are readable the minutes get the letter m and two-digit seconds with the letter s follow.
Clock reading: 11h53m28s
